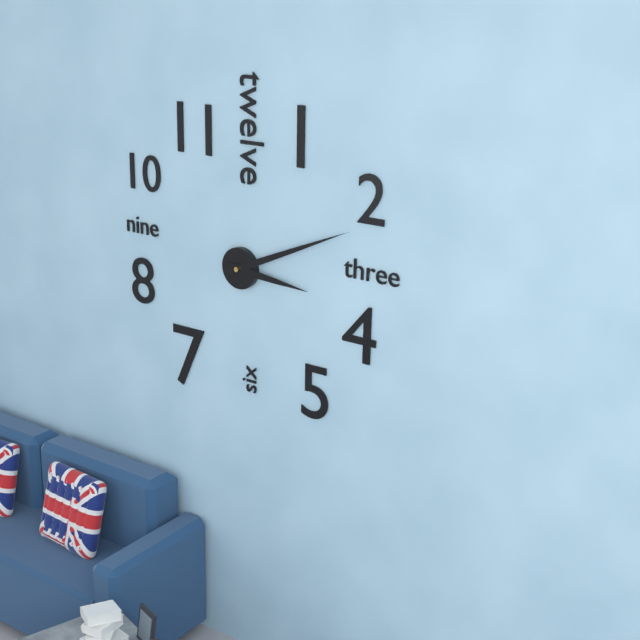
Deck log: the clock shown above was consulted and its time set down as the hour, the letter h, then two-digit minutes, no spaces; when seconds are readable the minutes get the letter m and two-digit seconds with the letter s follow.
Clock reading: 3h11
